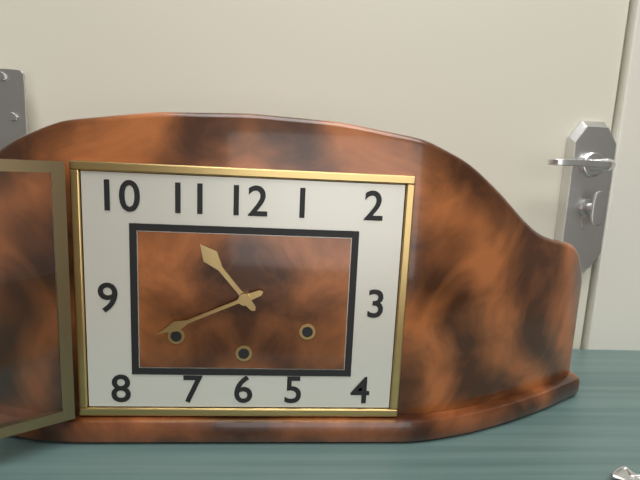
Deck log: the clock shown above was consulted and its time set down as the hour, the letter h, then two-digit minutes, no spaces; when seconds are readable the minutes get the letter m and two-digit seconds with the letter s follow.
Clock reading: 10h41
